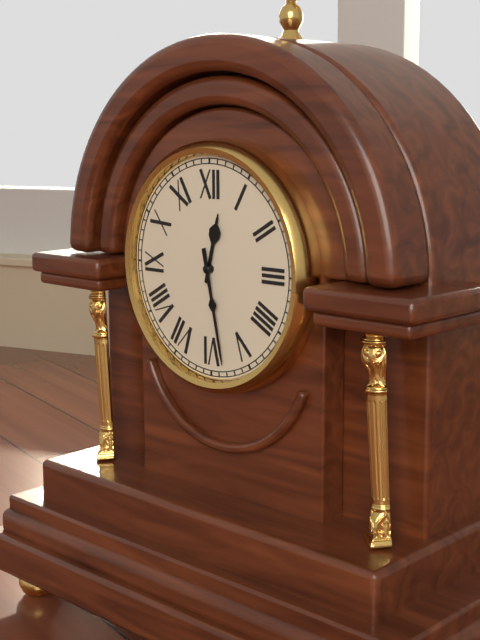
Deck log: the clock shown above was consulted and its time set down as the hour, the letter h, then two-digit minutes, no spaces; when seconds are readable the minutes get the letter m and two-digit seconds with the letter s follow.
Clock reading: 12h28
